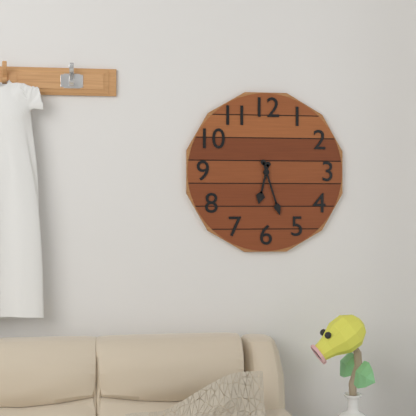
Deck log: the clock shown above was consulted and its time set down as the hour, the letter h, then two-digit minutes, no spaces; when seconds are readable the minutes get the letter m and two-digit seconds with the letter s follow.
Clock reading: 6h27
